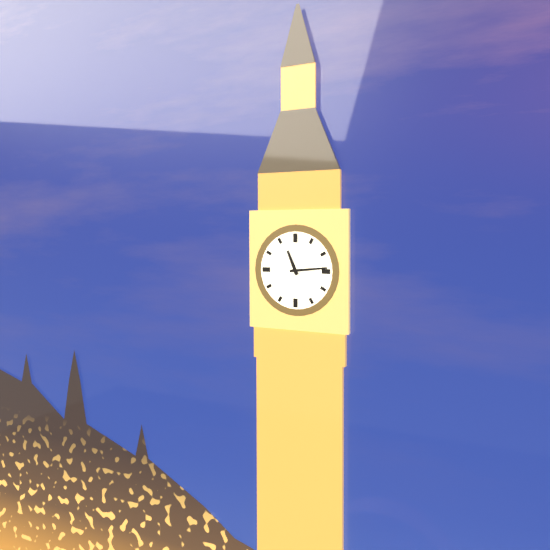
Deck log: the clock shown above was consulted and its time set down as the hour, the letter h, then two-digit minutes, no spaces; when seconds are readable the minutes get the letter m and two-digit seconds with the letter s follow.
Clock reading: 11h14
